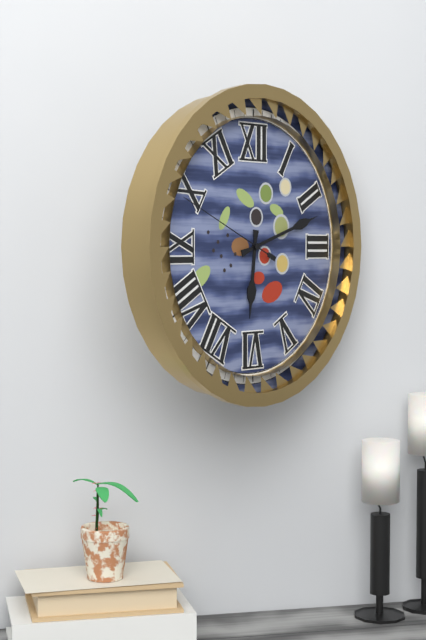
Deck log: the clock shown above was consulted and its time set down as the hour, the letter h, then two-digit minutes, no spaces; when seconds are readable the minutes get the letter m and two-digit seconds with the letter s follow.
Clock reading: 6h12m49s
